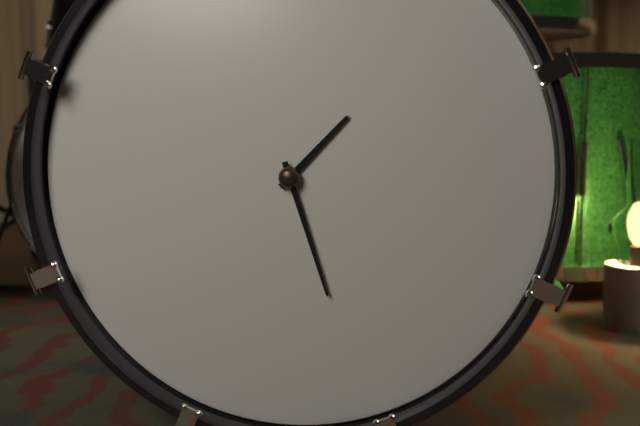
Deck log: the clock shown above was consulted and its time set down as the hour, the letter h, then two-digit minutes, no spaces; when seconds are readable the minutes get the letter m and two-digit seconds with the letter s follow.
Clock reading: 1h27
